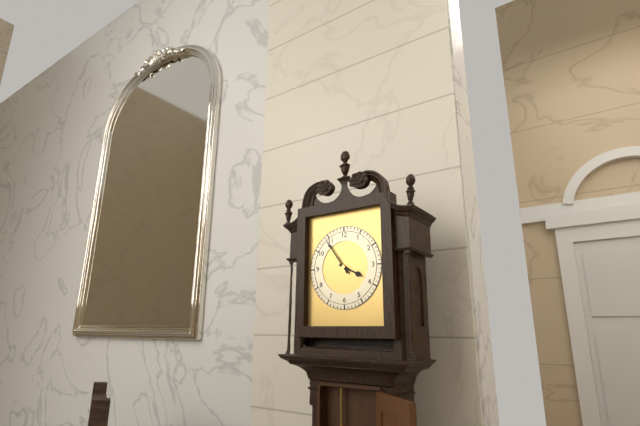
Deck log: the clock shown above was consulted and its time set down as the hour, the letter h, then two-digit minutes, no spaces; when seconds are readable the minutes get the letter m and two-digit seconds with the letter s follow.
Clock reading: 3h54
